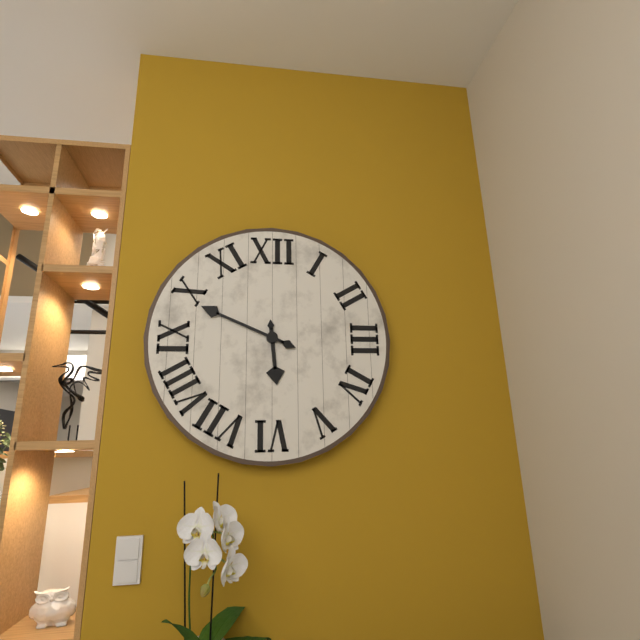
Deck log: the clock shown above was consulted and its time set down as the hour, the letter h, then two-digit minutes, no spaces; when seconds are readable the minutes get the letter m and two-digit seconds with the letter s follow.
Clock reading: 5h49
